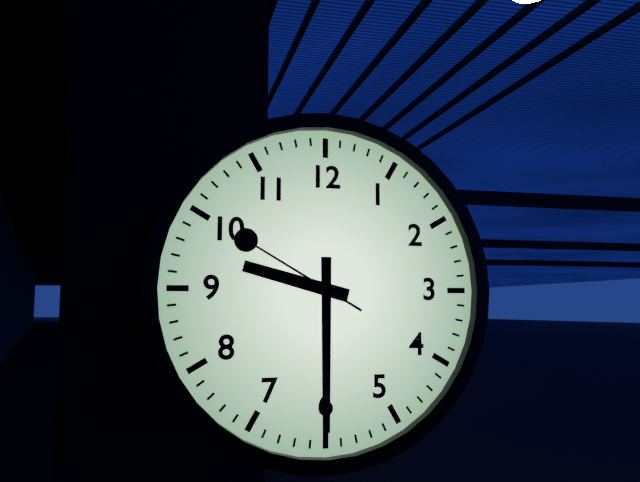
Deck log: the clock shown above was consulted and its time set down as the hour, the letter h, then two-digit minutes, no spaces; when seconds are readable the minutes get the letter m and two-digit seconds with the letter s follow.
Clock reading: 9h30m50s
